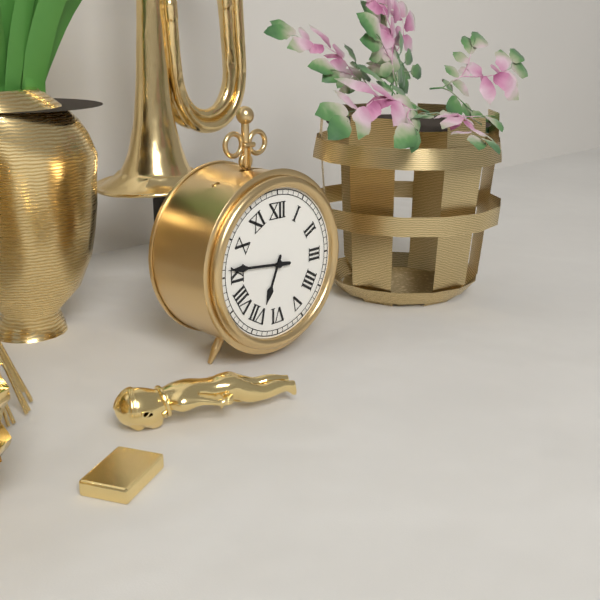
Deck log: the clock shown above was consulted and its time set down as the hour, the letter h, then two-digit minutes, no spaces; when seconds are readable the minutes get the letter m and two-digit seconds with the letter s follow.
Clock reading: 6h46
